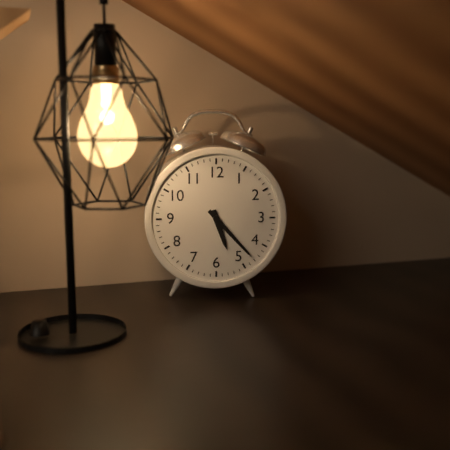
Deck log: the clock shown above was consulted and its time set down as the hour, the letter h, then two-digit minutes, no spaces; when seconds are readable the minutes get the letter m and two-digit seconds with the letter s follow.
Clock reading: 5h23
